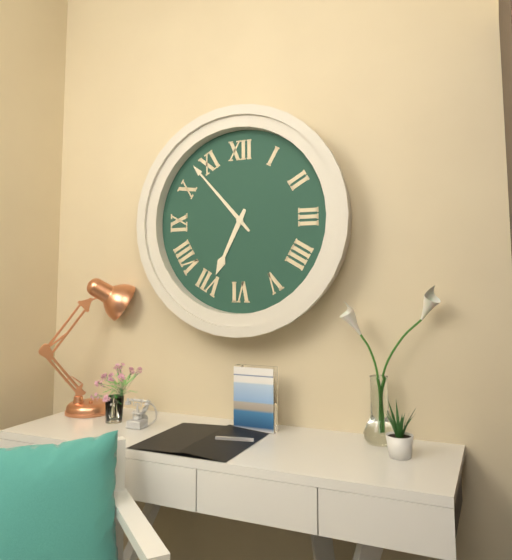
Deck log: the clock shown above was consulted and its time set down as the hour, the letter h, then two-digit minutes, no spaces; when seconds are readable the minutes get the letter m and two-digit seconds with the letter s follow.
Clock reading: 6h53
